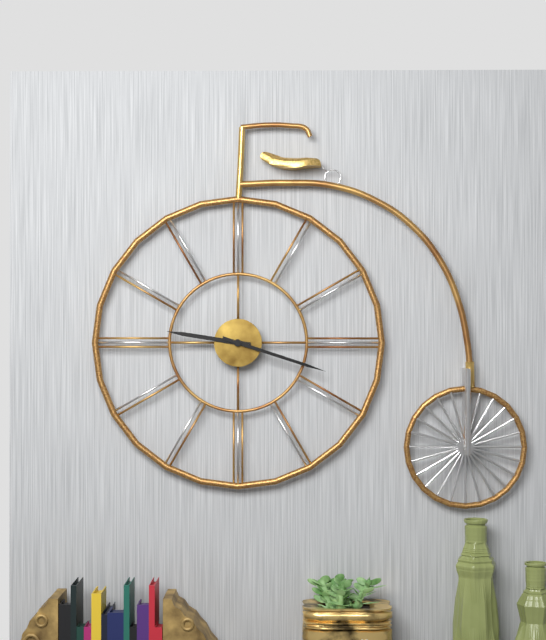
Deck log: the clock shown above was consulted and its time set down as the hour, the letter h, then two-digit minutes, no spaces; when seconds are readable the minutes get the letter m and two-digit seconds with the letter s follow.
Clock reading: 9h18
